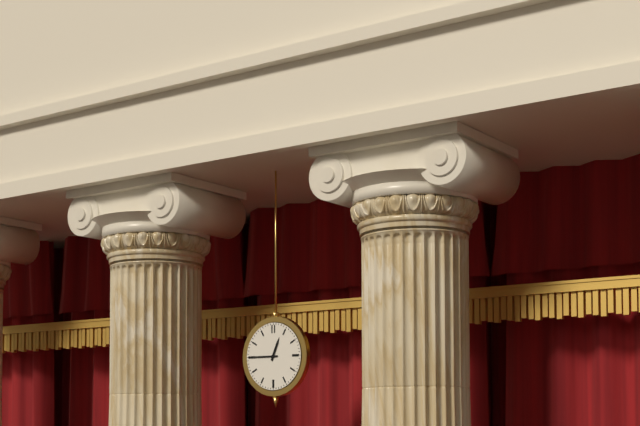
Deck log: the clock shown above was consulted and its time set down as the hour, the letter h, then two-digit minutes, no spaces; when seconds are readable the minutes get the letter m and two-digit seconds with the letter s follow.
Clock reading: 12h45
